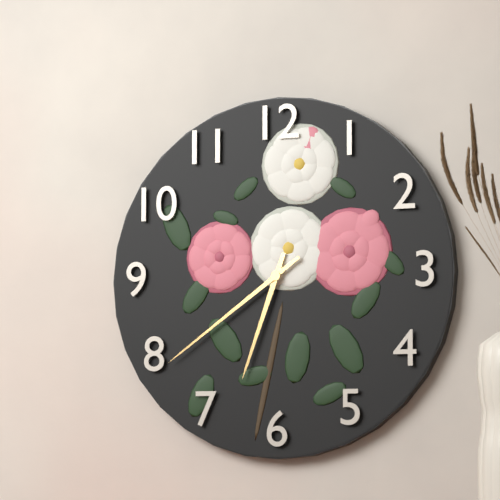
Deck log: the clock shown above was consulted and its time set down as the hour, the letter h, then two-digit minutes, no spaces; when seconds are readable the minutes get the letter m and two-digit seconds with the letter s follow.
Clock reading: 6h39
